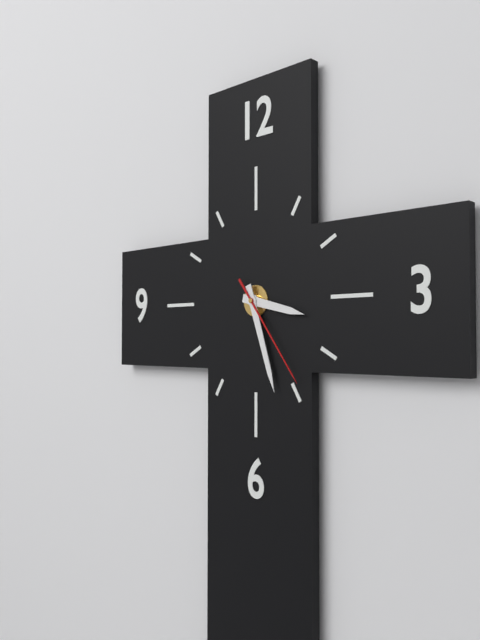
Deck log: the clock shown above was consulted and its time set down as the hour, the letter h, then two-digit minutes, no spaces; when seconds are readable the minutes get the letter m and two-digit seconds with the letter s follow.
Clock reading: 3h27m24s
